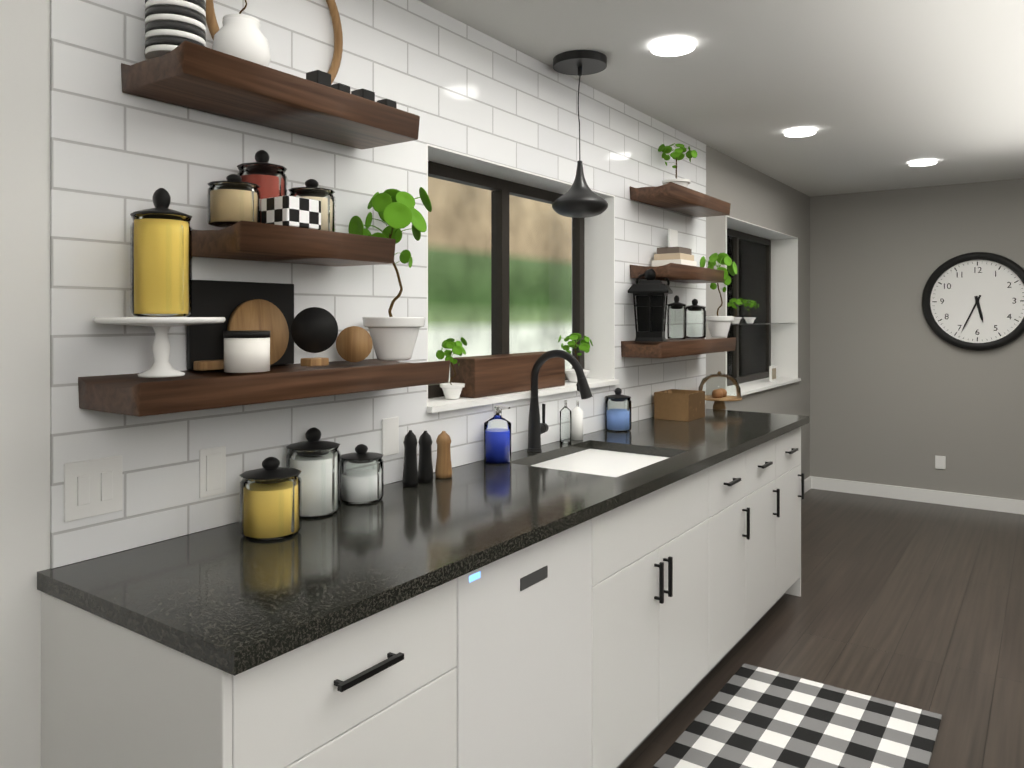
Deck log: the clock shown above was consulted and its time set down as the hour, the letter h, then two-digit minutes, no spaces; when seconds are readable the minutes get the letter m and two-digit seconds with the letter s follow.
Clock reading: 5h34
